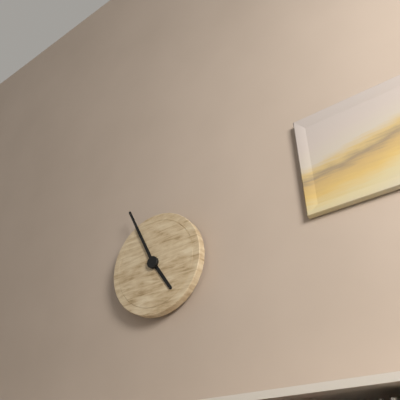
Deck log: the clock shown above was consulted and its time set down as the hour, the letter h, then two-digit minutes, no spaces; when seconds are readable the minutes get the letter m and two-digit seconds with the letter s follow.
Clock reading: 4h56
